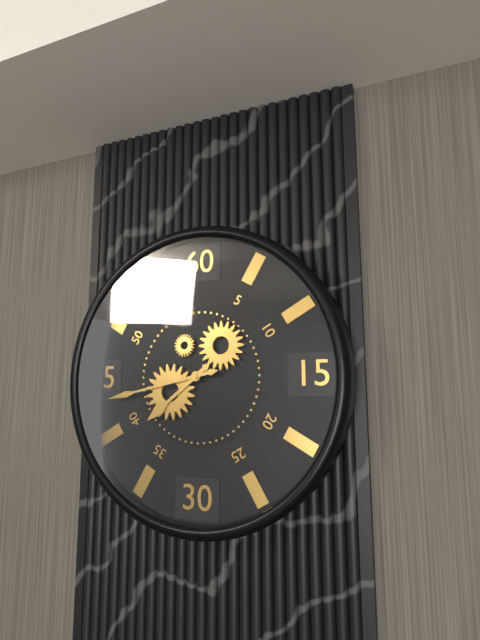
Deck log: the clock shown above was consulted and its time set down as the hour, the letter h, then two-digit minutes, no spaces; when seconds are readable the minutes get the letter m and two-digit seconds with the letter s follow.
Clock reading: 7h43
